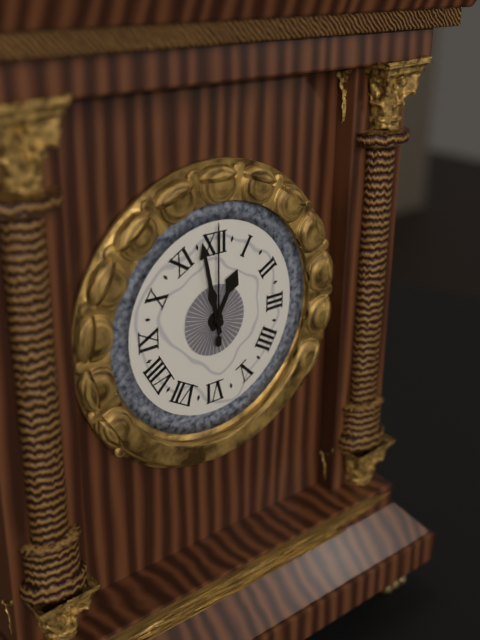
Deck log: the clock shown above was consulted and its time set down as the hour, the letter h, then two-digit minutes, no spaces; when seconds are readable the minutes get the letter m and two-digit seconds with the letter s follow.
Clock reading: 12h58m00s
